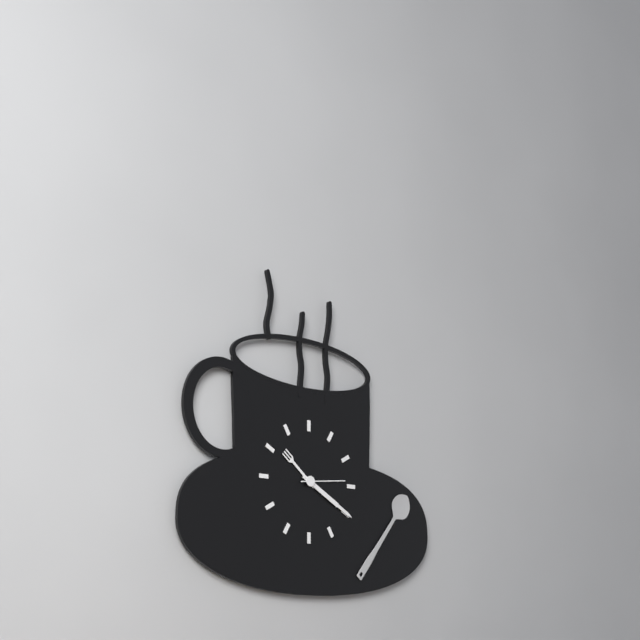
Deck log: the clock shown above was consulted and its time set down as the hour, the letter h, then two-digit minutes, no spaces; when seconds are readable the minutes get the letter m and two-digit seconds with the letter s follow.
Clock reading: 10h20
